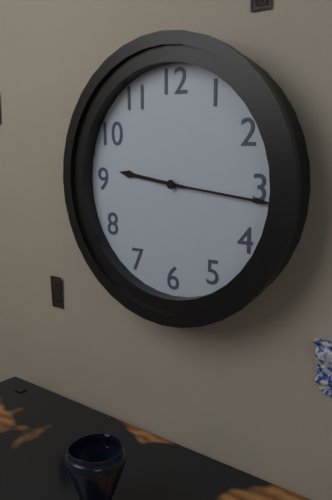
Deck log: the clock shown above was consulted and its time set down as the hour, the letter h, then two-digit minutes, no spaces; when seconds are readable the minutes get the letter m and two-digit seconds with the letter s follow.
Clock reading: 9h16
